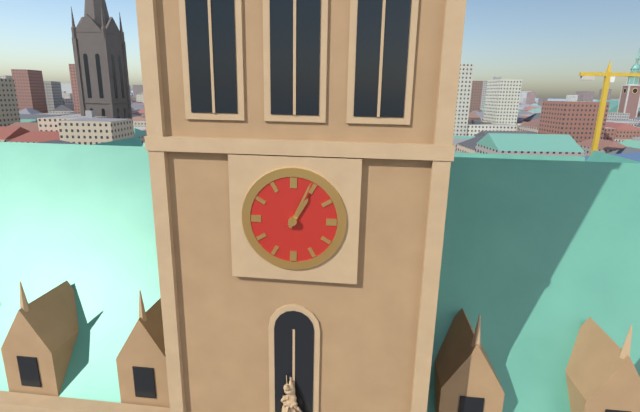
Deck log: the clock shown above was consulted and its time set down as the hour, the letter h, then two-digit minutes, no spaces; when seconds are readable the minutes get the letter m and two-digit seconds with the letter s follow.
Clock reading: 1h04
